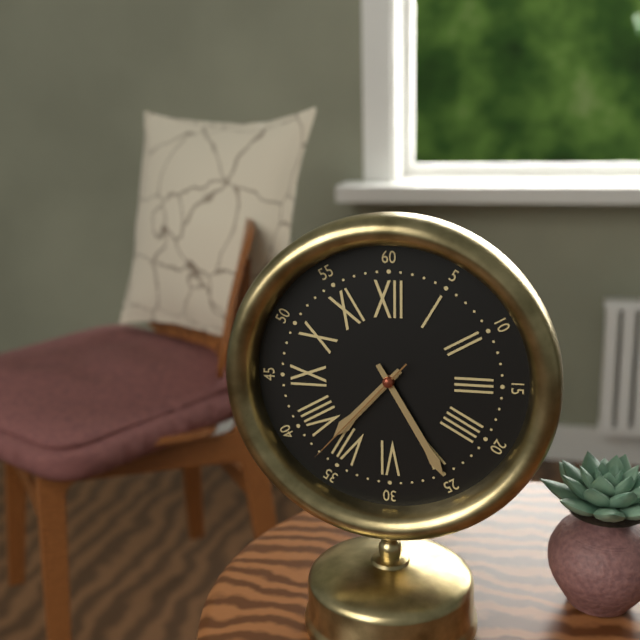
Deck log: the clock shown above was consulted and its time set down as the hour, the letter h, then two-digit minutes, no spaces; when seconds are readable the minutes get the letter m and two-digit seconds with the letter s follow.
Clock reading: 7h25m37s
